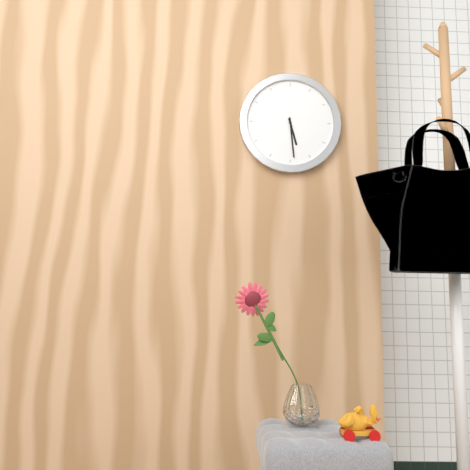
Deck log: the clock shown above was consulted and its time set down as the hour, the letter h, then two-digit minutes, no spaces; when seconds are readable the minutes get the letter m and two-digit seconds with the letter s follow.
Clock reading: 5h29
